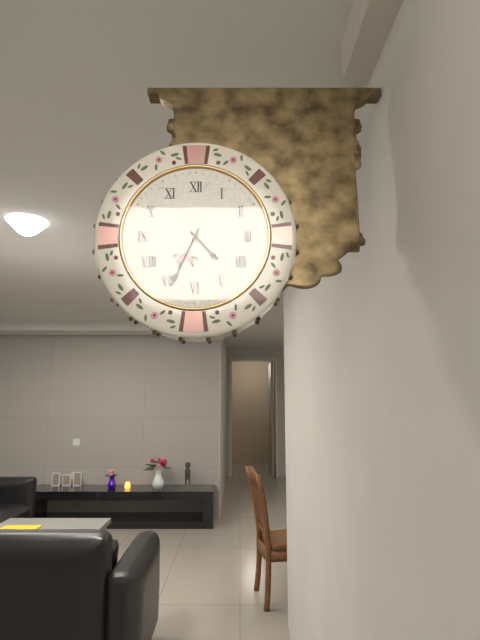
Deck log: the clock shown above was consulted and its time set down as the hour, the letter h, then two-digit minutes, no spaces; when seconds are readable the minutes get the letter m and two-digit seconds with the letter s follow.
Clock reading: 4h34
